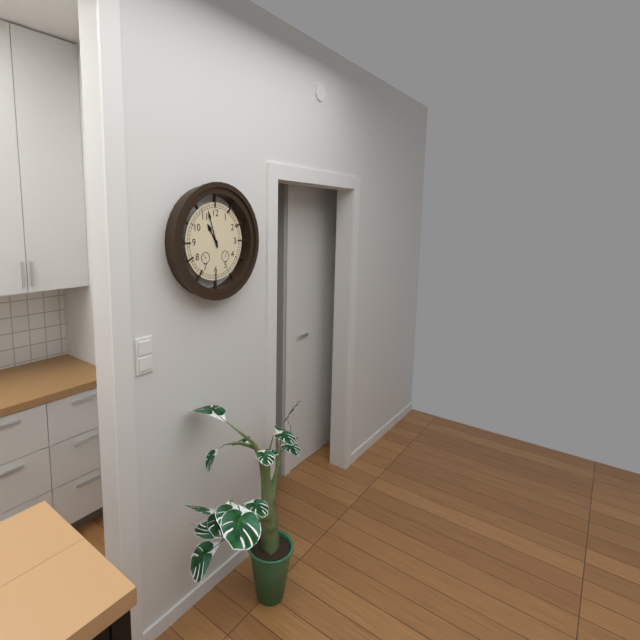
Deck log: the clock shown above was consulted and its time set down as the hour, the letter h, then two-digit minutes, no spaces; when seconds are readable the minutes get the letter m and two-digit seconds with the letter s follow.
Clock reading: 10h57
